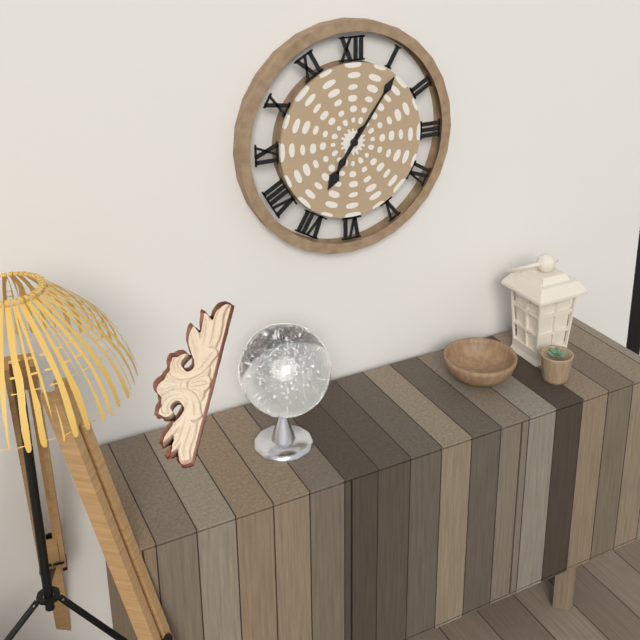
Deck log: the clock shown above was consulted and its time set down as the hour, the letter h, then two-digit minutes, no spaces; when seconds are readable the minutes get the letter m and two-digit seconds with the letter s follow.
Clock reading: 7h06
